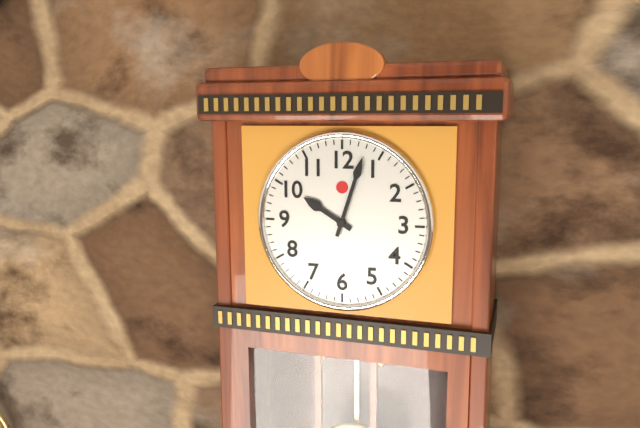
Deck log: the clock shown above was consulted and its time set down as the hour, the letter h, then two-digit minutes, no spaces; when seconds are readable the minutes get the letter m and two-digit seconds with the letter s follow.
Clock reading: 10h03
